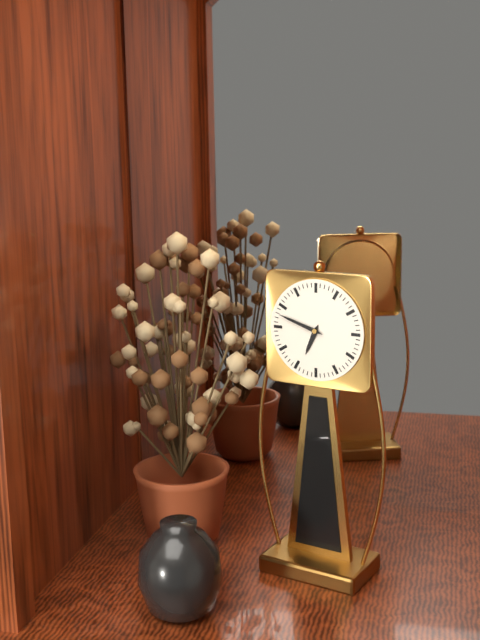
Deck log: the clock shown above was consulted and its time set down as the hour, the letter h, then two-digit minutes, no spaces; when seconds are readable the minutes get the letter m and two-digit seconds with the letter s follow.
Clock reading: 6h48
